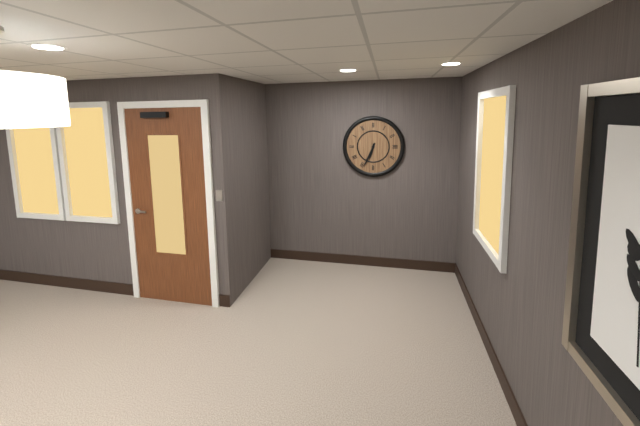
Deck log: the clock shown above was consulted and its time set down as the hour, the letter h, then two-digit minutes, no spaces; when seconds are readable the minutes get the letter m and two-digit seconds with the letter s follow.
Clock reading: 6h34
